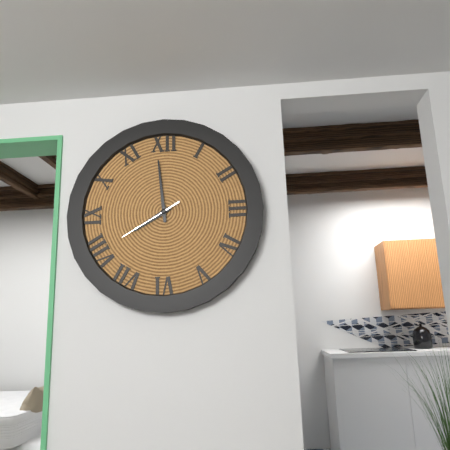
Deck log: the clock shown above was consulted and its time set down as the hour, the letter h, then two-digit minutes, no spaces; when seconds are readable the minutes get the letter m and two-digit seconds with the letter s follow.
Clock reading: 7h59m40s
